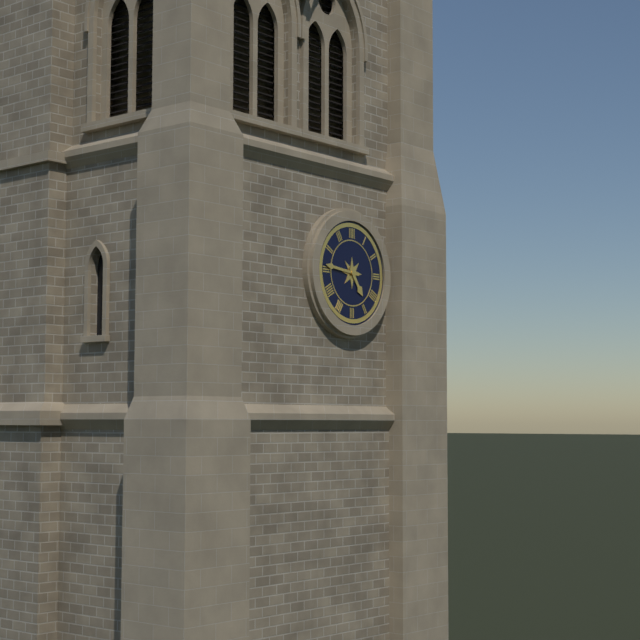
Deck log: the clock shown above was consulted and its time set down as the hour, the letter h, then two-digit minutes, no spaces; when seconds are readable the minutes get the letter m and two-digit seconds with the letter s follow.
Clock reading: 4h46
